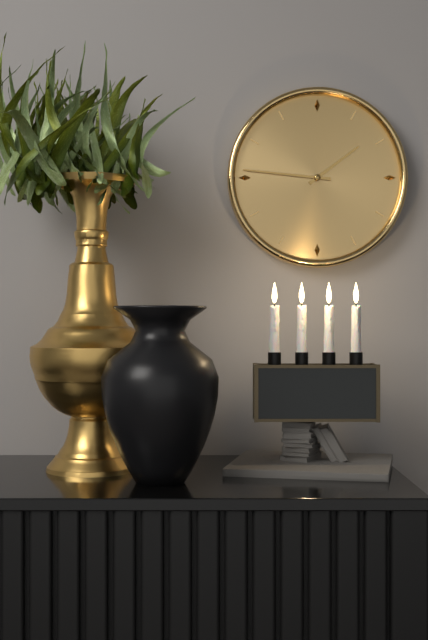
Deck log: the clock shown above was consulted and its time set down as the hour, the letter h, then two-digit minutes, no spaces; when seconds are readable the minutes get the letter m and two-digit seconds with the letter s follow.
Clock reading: 1h46
